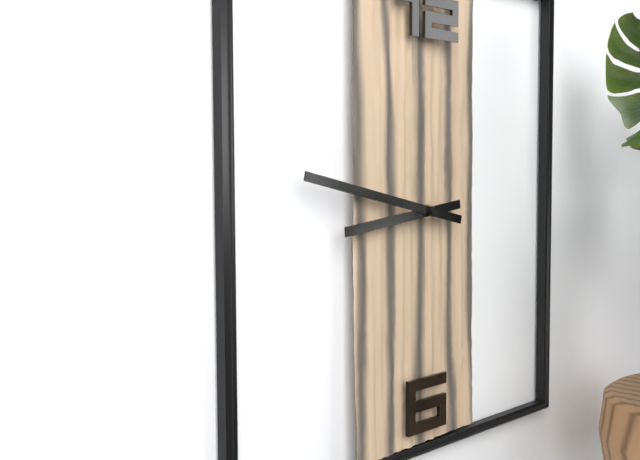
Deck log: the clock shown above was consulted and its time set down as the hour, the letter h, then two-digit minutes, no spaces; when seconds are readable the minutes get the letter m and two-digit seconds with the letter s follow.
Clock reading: 8h47
